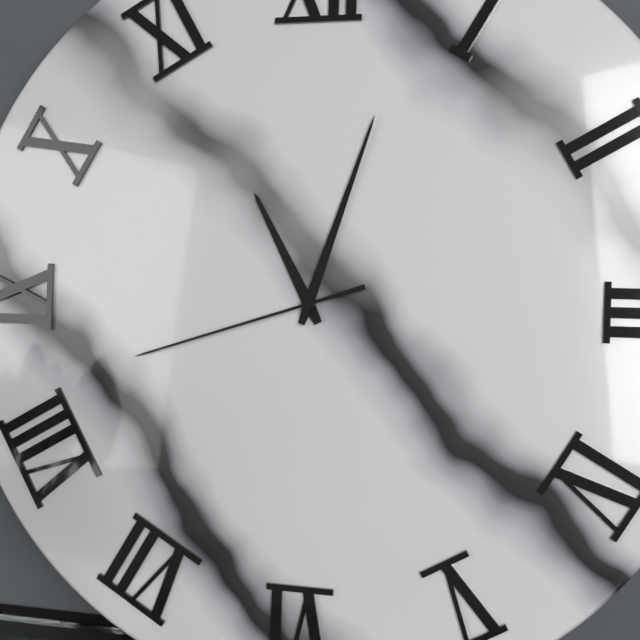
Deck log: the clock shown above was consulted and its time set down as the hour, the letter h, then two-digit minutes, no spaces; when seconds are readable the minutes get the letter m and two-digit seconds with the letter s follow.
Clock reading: 11h03m42s
